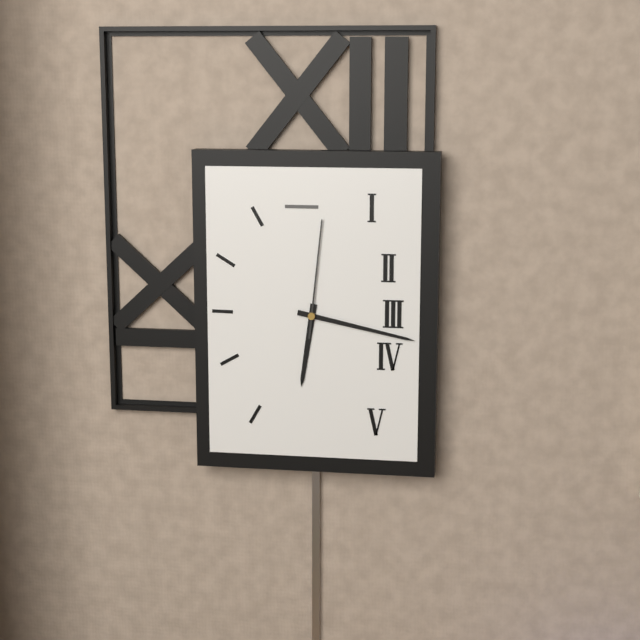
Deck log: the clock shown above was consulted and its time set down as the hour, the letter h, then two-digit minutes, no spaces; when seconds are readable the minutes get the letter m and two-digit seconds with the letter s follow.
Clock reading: 6h17m01s
